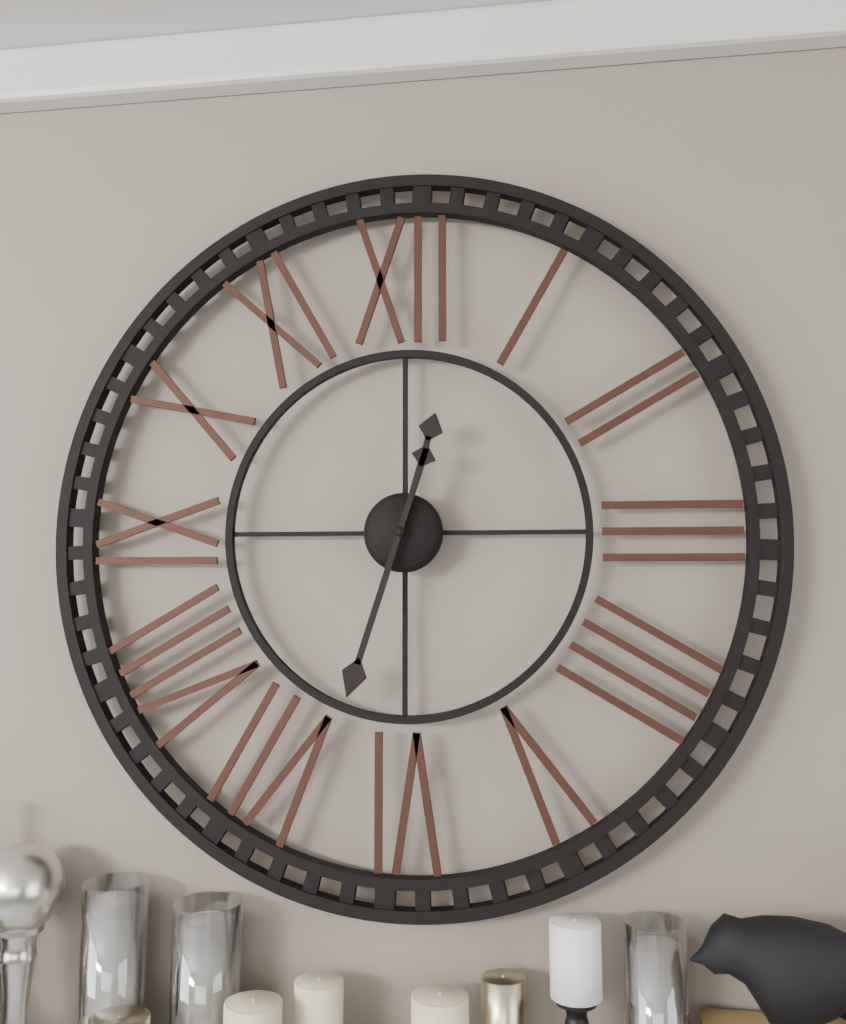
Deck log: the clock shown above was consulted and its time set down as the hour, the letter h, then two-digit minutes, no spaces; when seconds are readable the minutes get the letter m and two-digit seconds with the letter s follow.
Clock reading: 12h33
